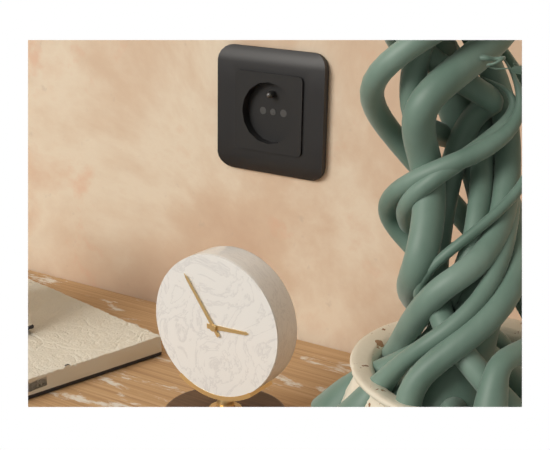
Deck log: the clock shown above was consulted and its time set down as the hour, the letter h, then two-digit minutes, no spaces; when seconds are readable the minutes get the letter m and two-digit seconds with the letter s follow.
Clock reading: 2h54
